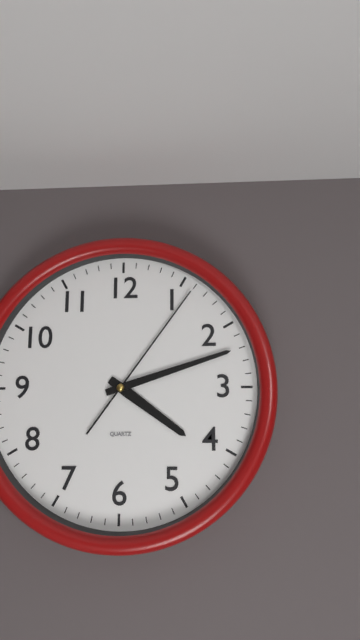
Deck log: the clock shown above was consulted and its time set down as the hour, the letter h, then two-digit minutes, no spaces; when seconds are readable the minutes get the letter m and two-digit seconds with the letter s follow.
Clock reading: 4h12m06s
